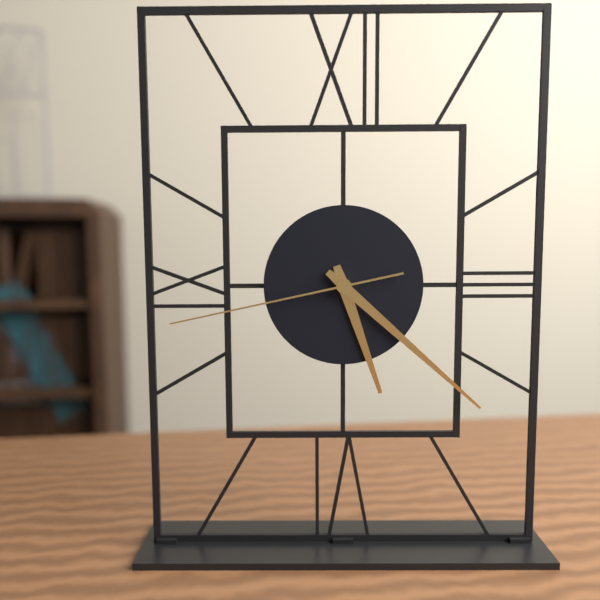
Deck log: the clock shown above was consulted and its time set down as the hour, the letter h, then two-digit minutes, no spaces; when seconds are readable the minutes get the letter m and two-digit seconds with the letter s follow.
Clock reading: 5h22m43s
